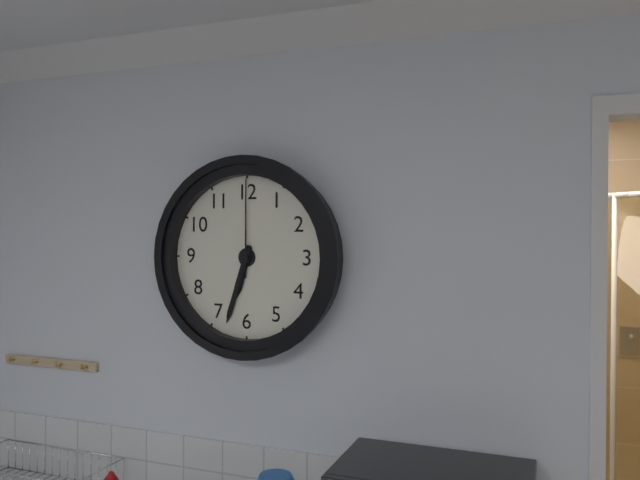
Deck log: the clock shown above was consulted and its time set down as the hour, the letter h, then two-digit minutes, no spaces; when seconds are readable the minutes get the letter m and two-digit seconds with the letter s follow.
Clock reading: 6h33m00s
